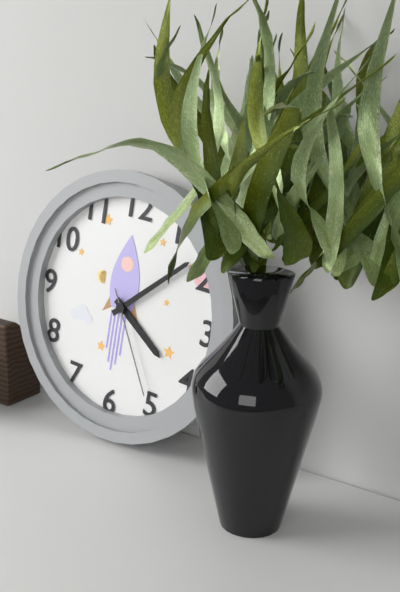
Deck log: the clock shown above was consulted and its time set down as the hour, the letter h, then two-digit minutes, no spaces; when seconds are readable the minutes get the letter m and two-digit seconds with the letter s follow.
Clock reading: 4h08m25s
